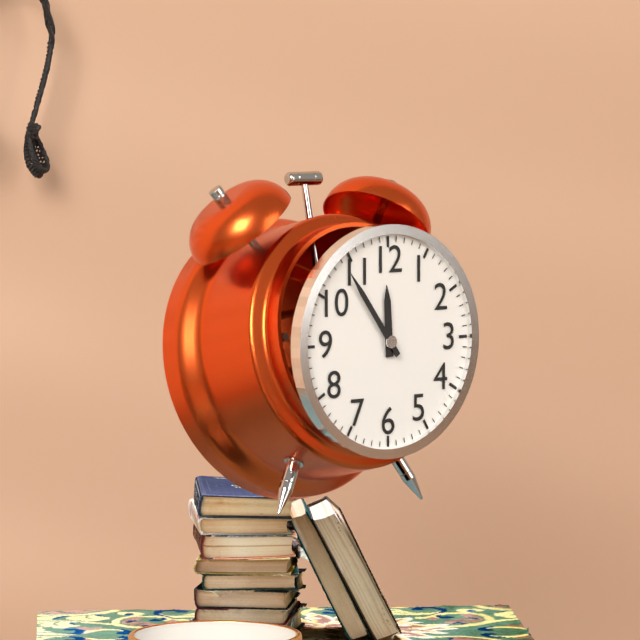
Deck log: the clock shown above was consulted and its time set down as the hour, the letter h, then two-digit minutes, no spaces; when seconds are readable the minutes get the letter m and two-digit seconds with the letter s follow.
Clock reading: 11h54
